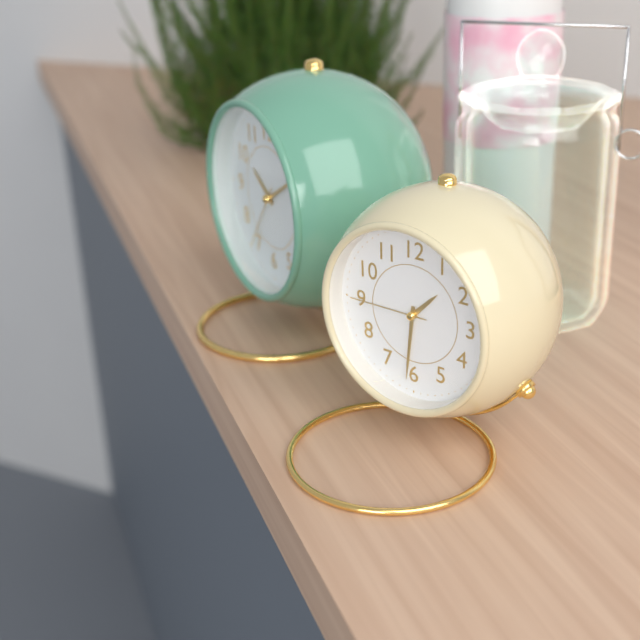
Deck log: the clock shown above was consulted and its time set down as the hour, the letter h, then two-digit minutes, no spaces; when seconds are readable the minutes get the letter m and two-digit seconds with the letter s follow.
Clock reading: 1h31m45s
